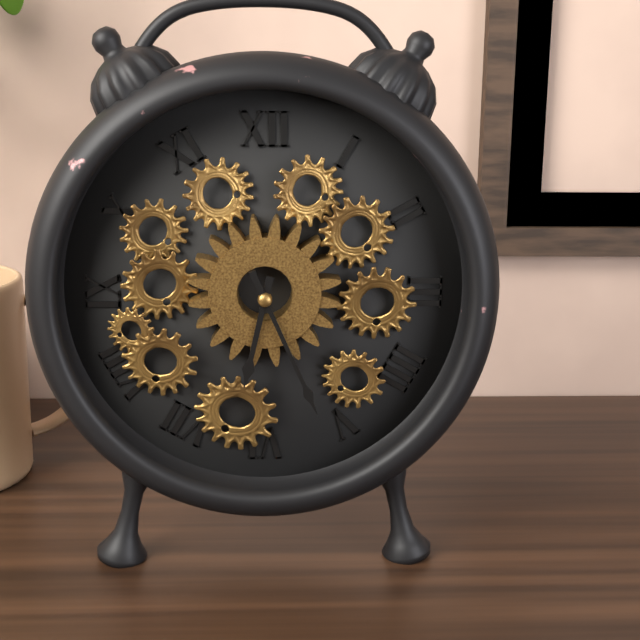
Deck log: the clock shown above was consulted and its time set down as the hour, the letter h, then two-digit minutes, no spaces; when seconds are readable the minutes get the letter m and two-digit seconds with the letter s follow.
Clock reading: 6h26
